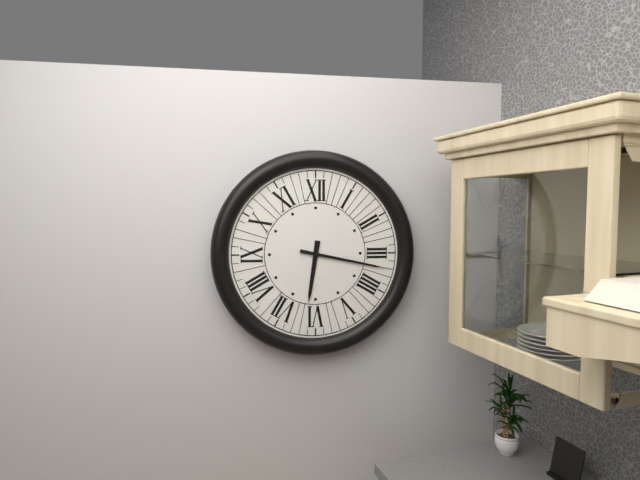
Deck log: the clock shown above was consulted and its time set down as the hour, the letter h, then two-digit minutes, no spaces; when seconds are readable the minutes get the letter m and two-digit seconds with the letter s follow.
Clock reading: 6h17
